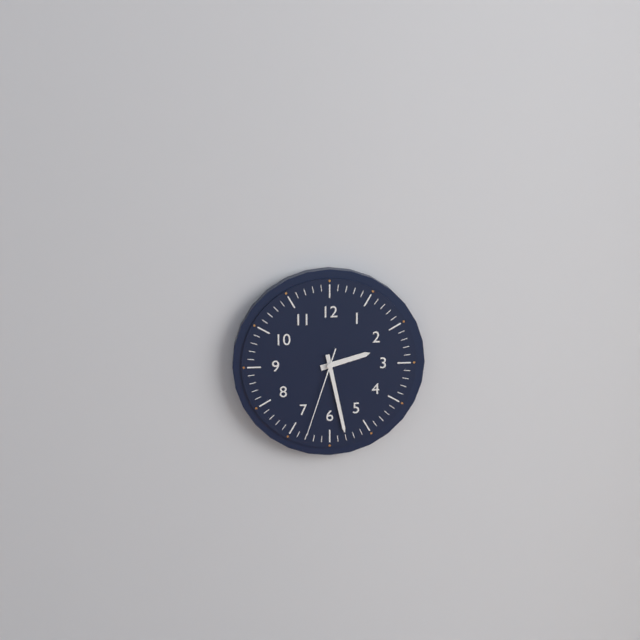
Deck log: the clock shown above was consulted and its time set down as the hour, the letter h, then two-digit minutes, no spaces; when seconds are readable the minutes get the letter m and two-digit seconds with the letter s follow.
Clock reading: 2h28m33s
